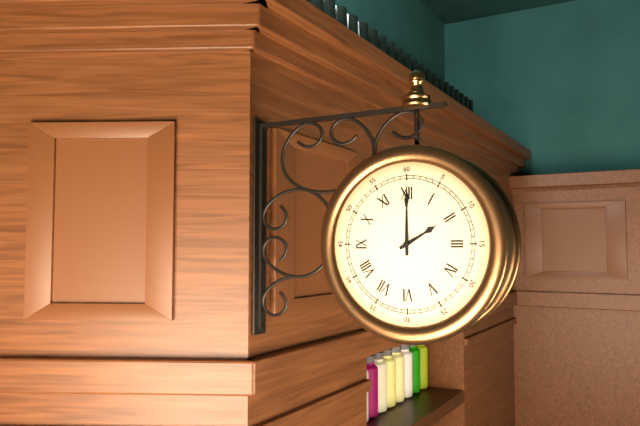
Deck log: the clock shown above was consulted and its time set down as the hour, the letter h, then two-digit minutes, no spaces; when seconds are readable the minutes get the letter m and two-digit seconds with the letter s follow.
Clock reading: 2h00
